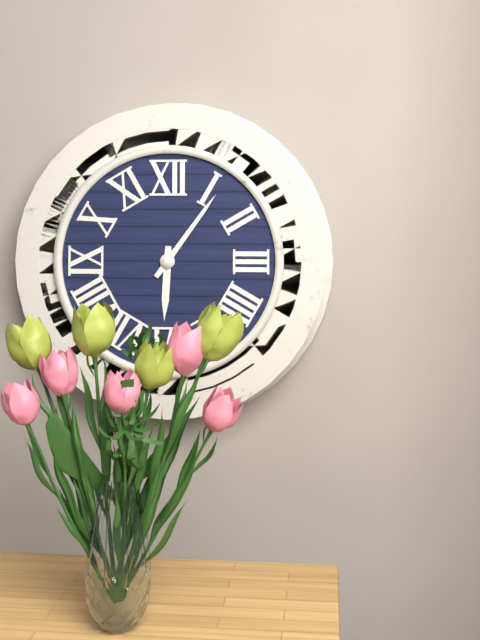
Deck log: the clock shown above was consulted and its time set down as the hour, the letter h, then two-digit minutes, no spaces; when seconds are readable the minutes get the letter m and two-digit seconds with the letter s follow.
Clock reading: 6h06
